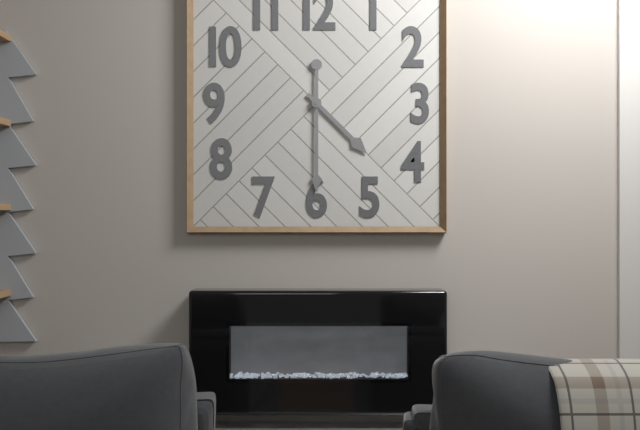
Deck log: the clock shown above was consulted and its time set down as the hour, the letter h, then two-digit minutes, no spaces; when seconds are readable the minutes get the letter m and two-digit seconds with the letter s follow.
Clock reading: 4h30
